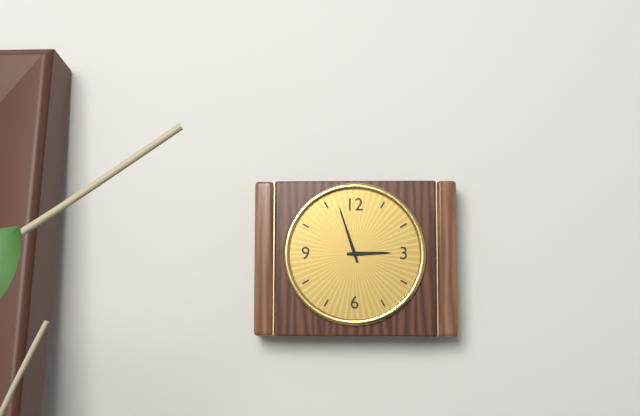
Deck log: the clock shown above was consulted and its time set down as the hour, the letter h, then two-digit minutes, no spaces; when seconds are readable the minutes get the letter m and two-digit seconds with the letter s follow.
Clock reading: 2h57
